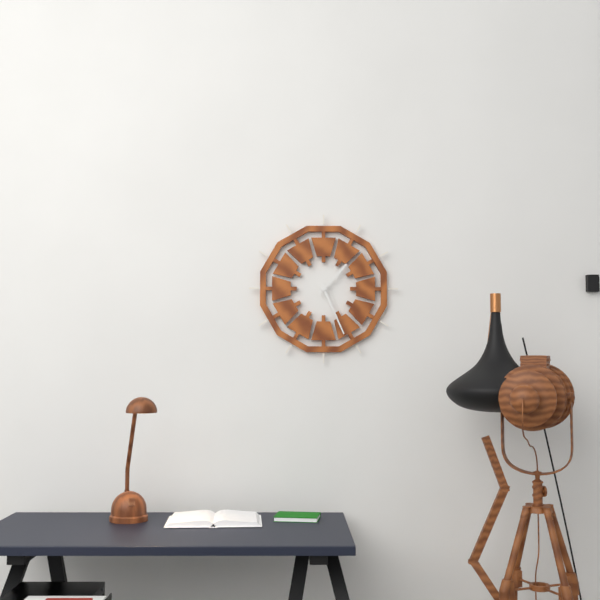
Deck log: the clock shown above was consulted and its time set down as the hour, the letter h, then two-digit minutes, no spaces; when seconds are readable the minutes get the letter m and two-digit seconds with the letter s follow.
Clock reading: 1h26
